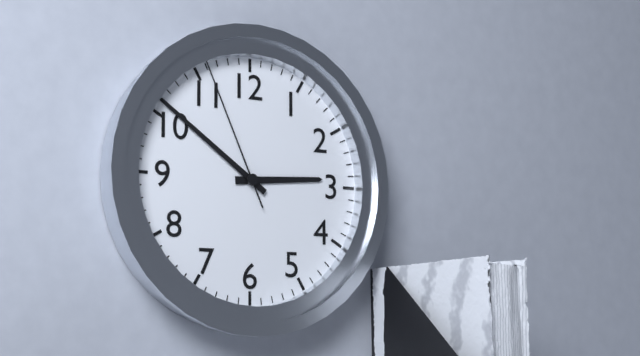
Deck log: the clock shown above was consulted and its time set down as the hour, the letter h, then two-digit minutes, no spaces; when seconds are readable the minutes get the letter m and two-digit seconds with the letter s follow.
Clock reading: 2h51m56s
